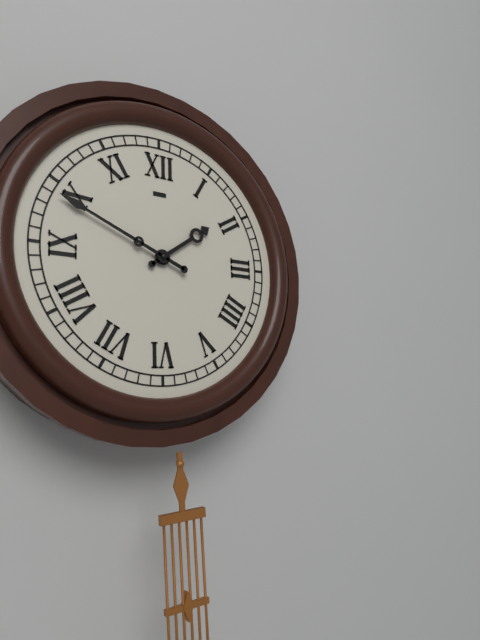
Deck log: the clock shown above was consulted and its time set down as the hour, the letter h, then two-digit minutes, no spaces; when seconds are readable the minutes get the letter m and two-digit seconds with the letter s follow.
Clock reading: 1h49
